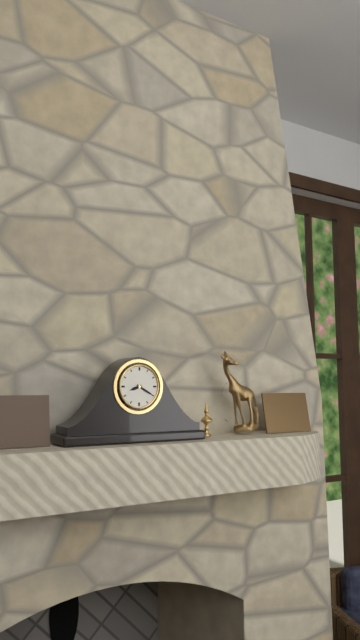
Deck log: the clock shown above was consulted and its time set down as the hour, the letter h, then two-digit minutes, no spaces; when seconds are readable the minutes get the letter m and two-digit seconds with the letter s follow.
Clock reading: 8h20
